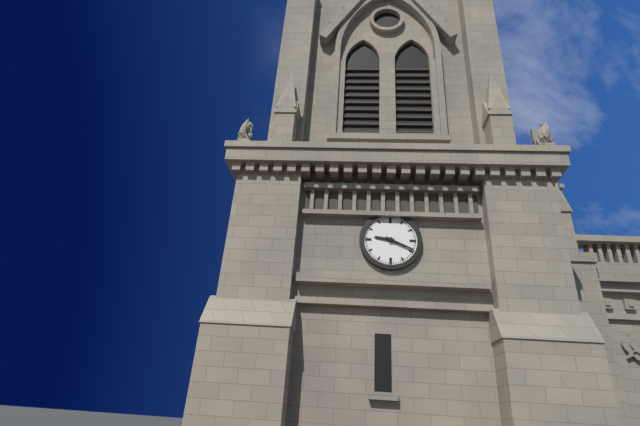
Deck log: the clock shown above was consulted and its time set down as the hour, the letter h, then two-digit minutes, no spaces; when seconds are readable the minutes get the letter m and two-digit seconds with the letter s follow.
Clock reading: 9h19
